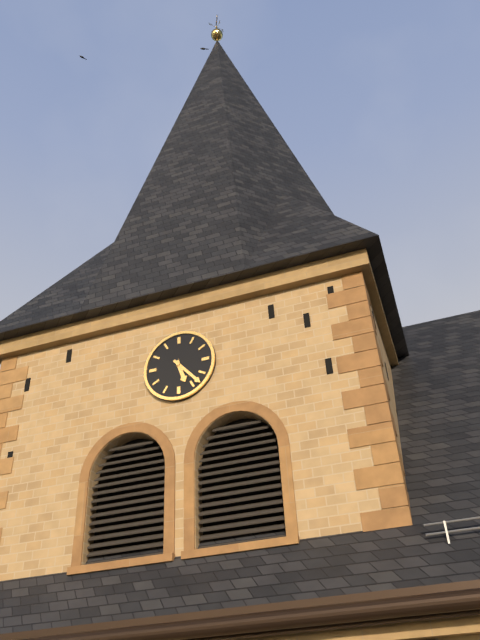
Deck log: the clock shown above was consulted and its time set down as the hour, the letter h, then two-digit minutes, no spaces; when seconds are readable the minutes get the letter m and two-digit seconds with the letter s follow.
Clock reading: 5h23
